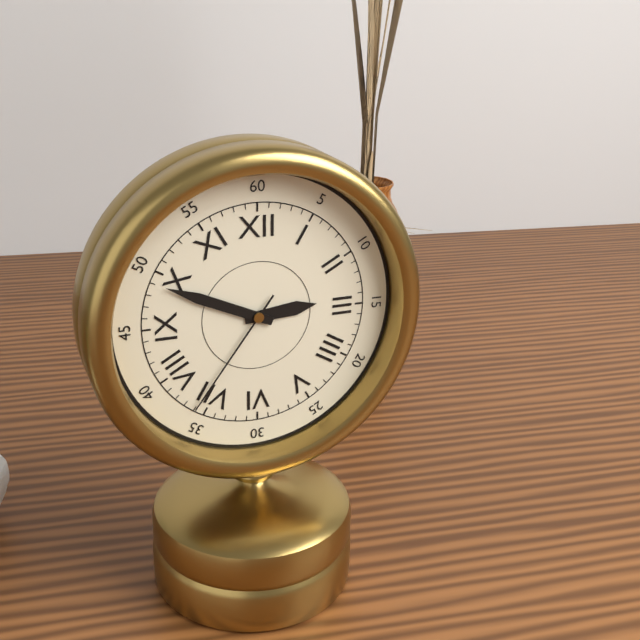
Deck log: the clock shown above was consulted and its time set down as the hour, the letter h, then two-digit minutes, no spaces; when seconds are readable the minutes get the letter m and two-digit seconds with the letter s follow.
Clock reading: 2h49m36s
